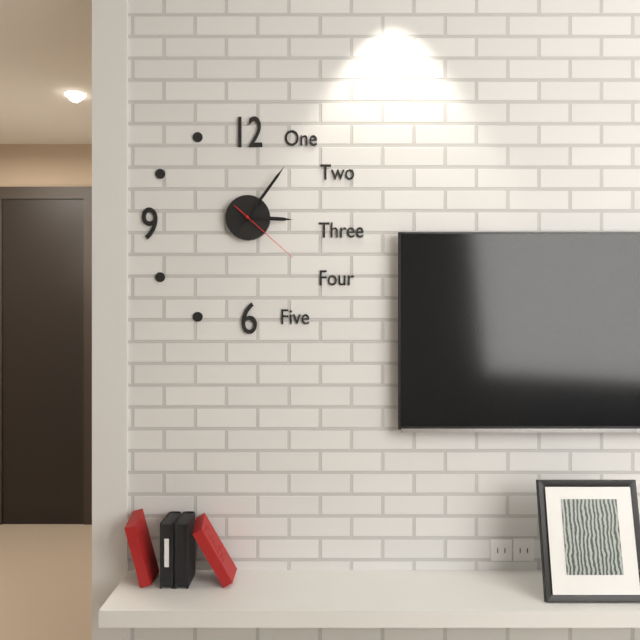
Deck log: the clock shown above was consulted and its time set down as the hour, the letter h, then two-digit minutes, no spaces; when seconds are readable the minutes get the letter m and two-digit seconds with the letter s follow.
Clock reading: 3h06m22s
